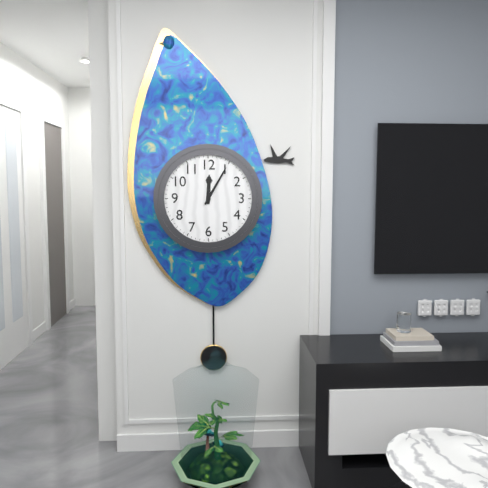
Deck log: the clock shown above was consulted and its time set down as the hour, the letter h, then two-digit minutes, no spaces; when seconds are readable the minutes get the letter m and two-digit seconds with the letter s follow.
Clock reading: 12h05
